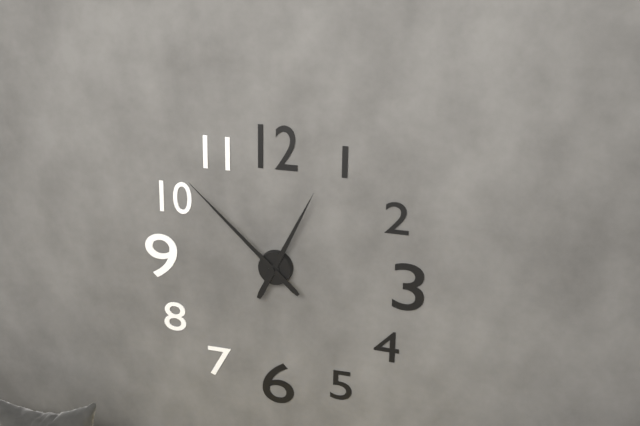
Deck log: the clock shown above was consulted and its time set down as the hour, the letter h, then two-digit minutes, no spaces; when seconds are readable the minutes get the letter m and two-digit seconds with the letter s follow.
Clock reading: 12h52
